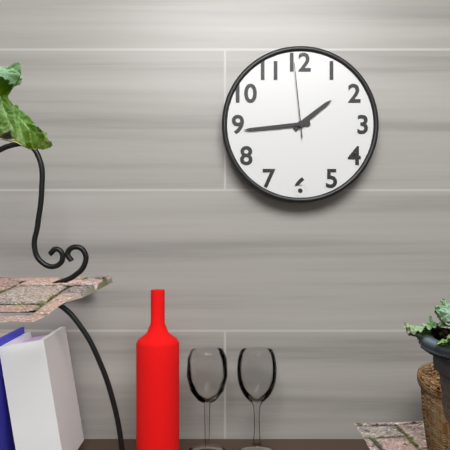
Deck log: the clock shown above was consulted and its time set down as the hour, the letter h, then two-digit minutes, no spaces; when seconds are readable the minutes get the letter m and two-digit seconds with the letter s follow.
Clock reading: 1h44m59s
